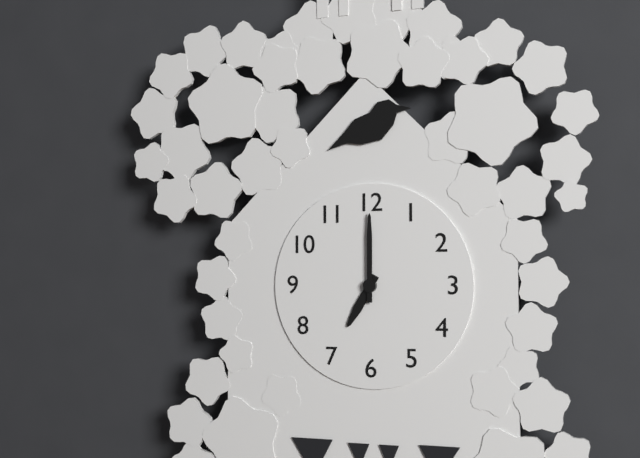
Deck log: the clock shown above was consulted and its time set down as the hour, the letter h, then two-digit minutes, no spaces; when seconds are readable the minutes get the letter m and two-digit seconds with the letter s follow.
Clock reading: 7h00
